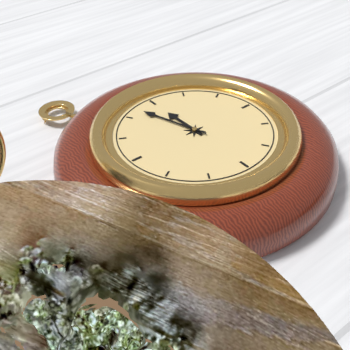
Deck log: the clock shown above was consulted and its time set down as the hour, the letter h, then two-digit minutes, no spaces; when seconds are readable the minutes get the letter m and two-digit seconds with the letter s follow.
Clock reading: 11h57
